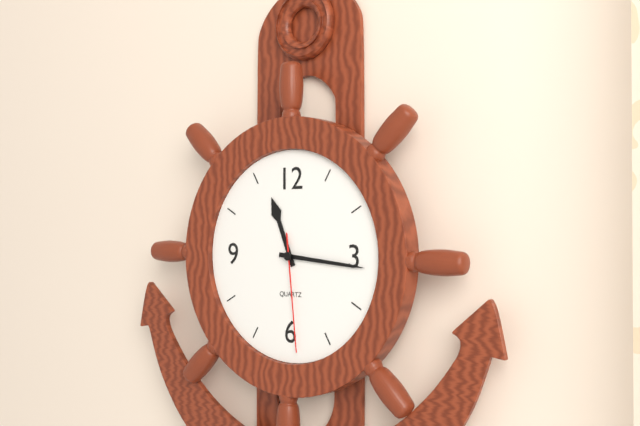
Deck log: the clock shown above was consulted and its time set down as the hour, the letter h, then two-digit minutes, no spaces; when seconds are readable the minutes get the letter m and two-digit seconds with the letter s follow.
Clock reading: 11h16m29s
